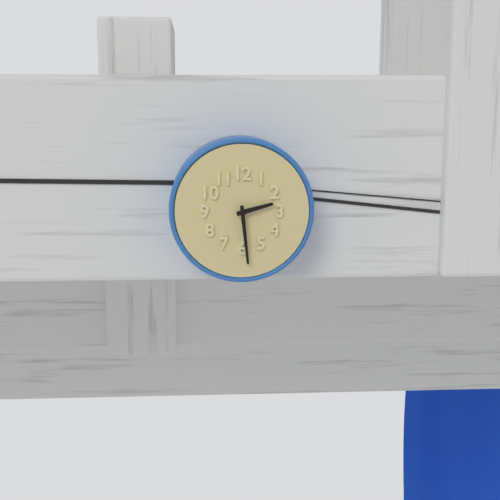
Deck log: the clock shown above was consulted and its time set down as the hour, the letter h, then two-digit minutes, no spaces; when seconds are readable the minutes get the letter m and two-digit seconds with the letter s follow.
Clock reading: 2h29
